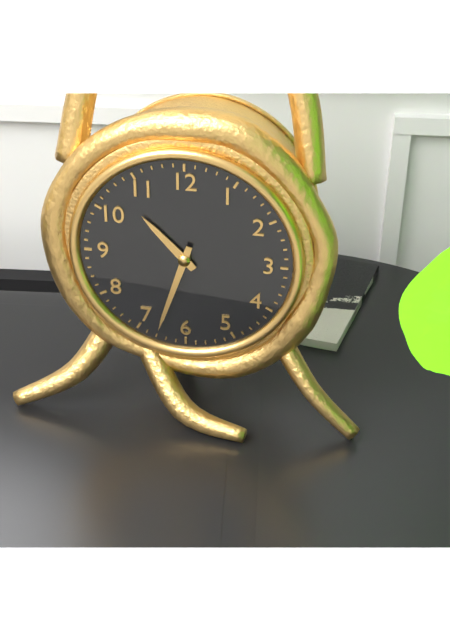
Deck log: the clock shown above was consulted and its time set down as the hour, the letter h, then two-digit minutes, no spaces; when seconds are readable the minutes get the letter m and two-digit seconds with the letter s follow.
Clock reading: 10h33
